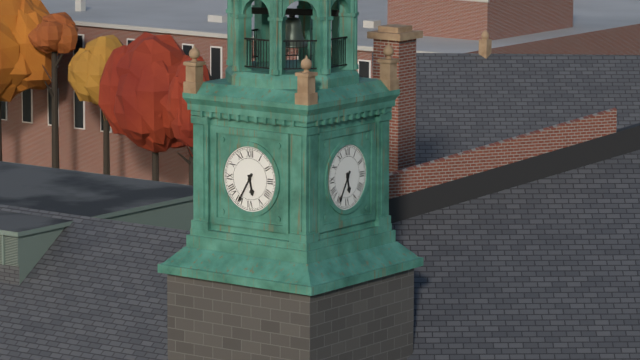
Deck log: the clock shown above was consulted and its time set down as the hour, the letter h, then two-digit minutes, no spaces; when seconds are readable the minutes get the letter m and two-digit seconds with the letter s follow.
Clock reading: 5h35
